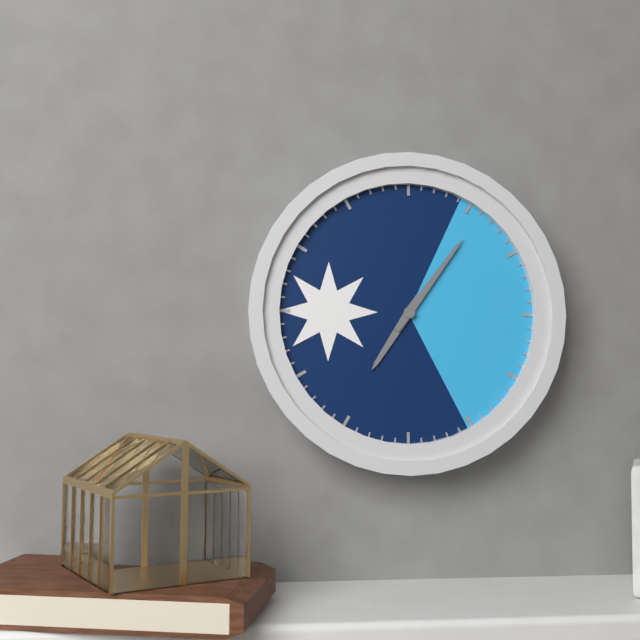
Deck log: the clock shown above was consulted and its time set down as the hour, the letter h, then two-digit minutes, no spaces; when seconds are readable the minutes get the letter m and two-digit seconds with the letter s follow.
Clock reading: 7h06
